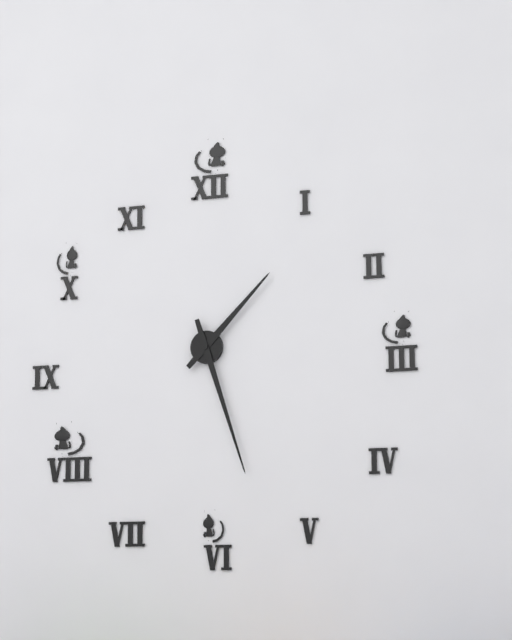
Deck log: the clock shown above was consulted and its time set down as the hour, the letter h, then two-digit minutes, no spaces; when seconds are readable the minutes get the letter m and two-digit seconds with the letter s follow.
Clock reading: 1h27
